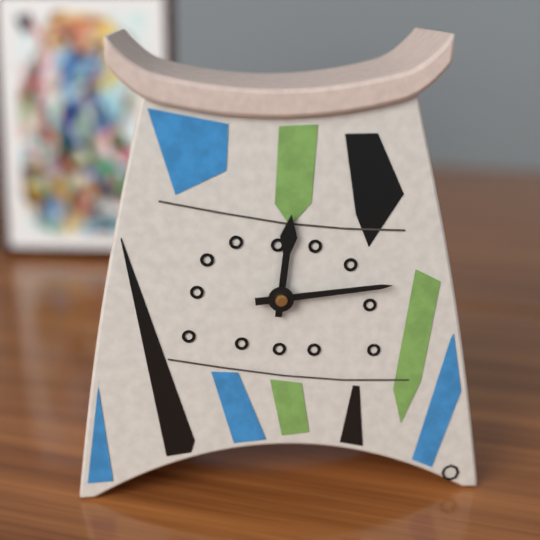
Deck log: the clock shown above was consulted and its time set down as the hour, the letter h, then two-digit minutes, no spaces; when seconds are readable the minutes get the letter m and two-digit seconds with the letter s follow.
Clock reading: 12h14
